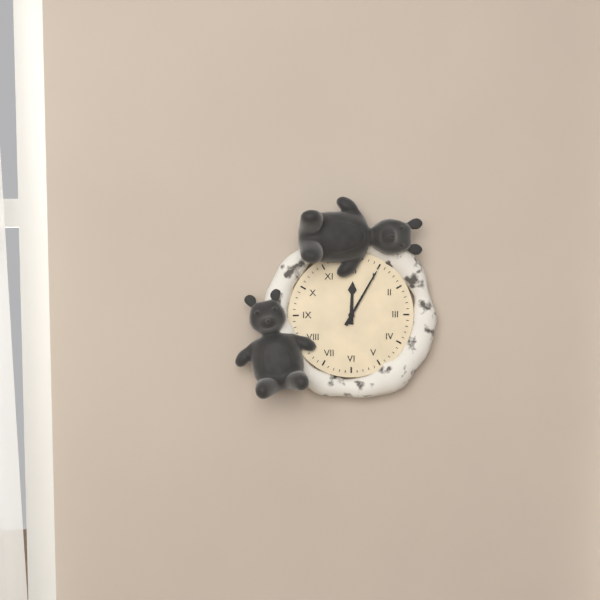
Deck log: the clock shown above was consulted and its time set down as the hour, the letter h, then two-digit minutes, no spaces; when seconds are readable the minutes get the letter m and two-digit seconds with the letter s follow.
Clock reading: 12h05
